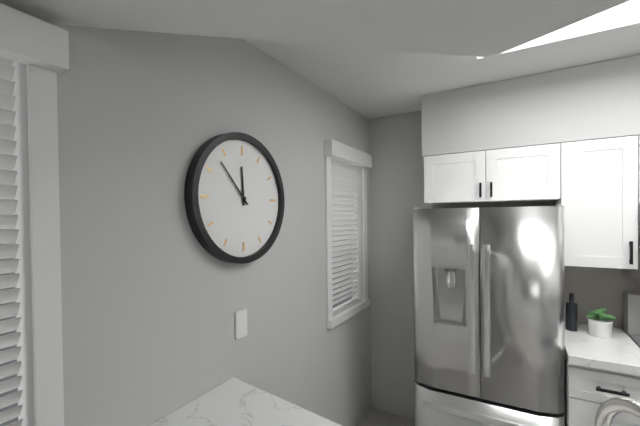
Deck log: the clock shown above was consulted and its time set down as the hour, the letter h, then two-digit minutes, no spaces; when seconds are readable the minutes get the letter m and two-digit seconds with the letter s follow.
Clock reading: 11h53
